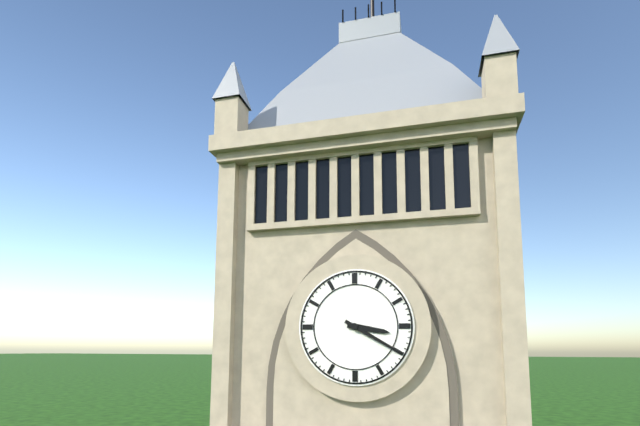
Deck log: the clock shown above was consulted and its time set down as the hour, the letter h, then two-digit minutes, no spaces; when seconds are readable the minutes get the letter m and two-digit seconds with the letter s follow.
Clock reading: 3h20
